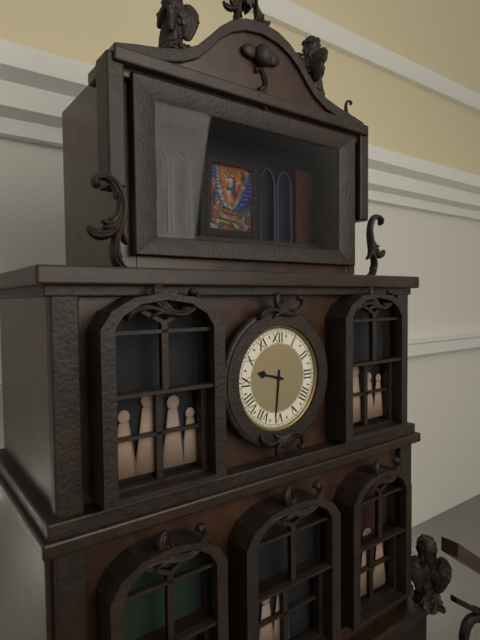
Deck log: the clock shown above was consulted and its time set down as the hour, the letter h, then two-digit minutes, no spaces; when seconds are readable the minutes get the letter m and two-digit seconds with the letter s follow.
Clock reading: 9h31
